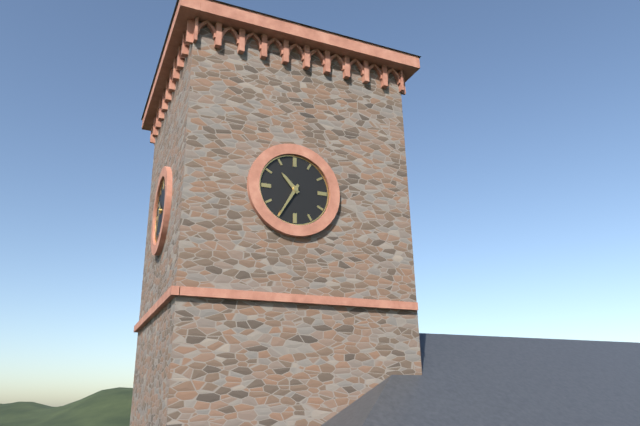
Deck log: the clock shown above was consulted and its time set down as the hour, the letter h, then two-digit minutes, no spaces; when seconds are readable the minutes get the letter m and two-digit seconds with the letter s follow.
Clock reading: 10h35
